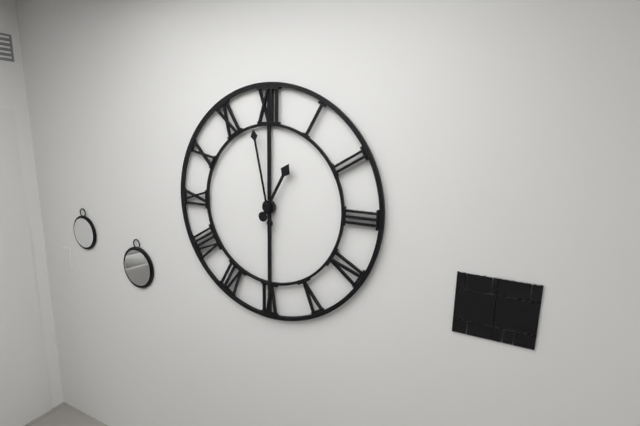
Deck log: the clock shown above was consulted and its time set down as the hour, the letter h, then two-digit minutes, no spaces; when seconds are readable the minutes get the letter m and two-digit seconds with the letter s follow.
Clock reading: 12h58
